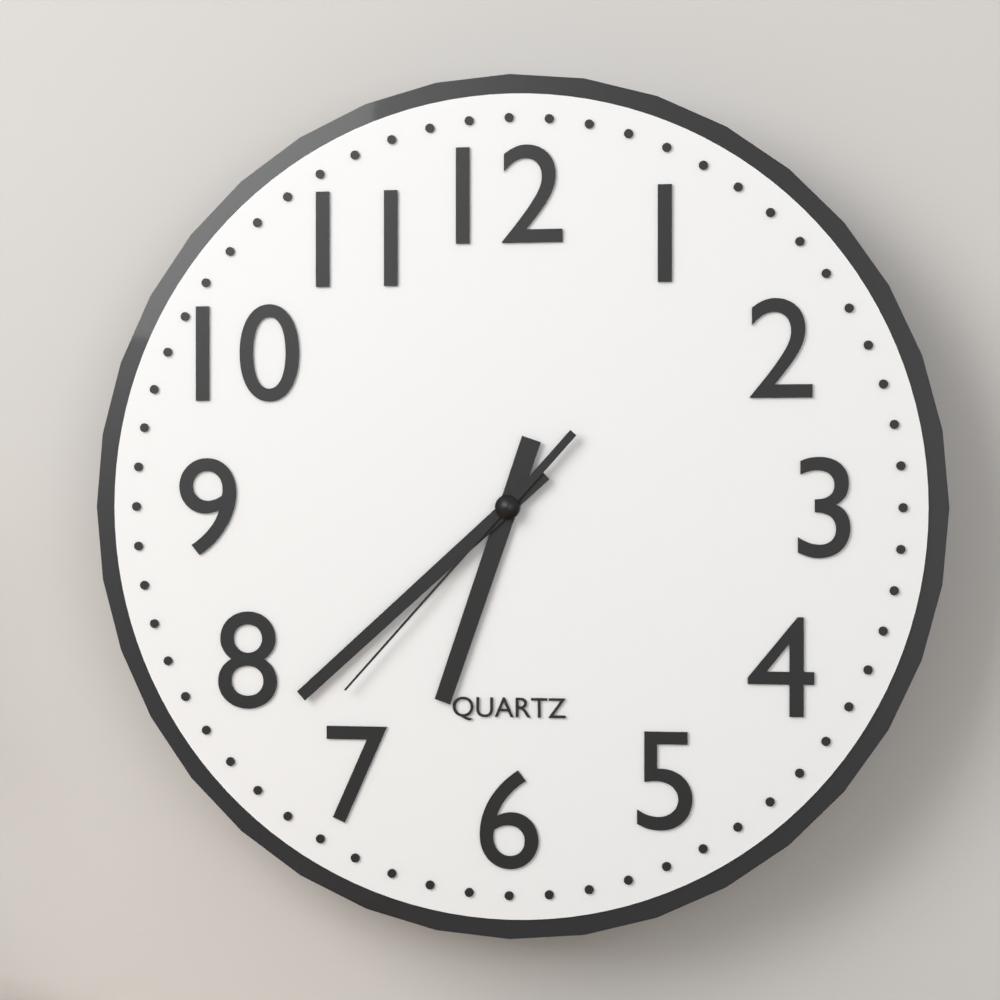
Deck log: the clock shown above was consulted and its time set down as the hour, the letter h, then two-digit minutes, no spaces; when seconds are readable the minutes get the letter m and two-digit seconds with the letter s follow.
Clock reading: 6h38m37s
